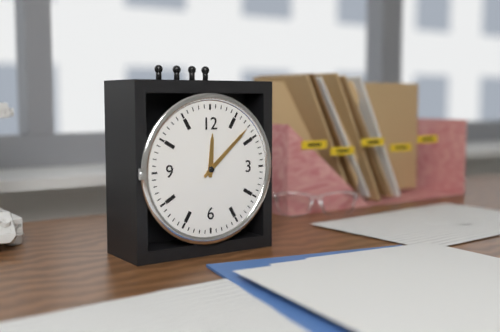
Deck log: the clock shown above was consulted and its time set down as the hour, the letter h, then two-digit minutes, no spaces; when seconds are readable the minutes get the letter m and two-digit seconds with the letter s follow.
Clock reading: 12h08
